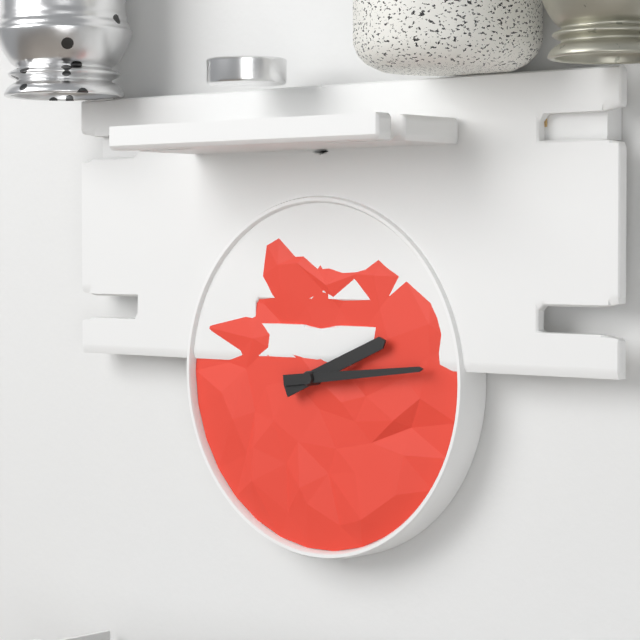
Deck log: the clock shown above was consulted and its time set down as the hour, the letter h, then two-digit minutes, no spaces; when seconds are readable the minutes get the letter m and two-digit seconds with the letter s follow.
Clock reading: 2h14
